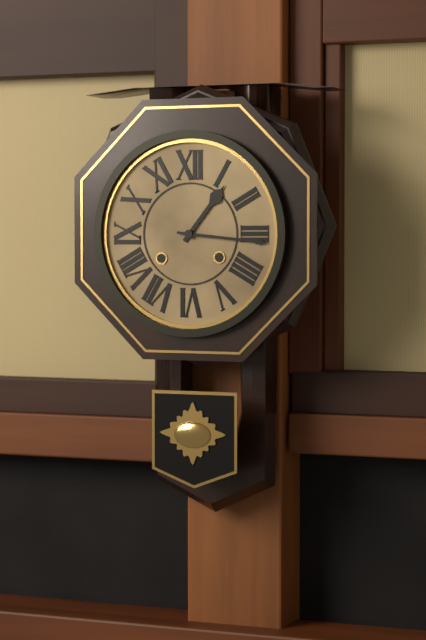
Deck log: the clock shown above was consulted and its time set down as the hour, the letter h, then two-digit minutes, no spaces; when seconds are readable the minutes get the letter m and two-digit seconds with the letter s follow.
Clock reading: 1h16
